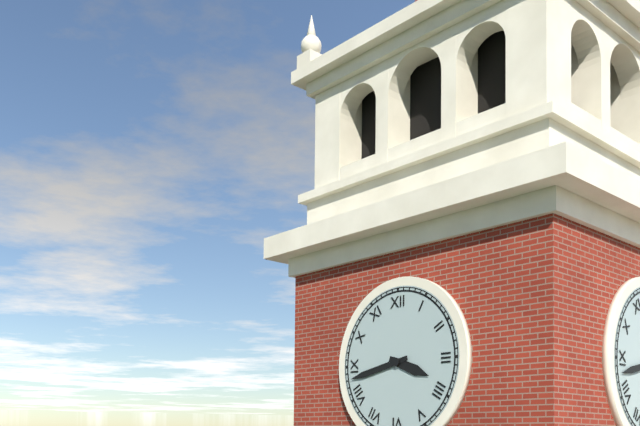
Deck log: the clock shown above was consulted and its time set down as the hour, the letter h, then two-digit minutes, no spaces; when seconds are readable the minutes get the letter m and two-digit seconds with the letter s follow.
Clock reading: 3h43
